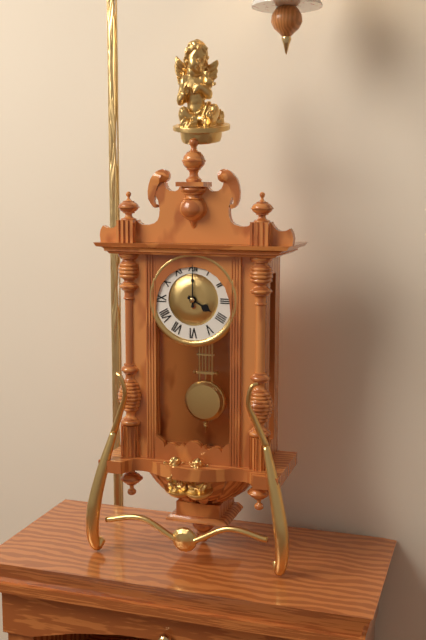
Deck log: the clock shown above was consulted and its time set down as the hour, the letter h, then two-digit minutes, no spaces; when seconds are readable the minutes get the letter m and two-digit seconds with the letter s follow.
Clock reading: 4h00
